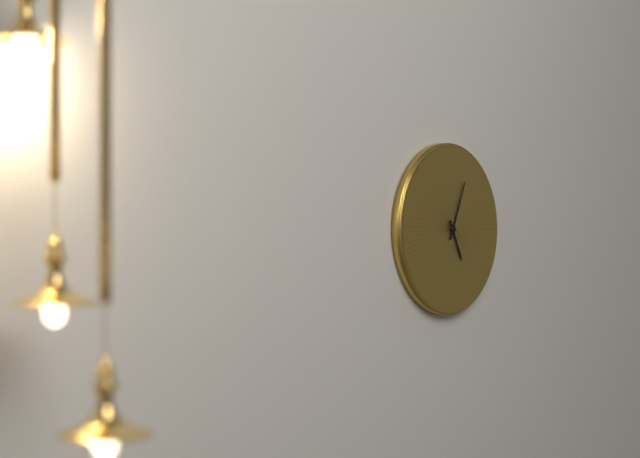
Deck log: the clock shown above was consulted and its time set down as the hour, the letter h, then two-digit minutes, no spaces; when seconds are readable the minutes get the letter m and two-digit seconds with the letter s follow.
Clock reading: 5h04
